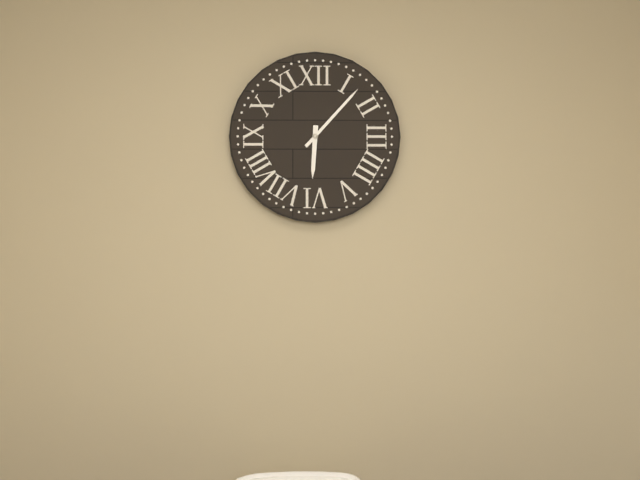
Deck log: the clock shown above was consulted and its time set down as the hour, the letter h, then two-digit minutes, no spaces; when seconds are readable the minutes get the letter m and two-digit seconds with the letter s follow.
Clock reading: 6h07
